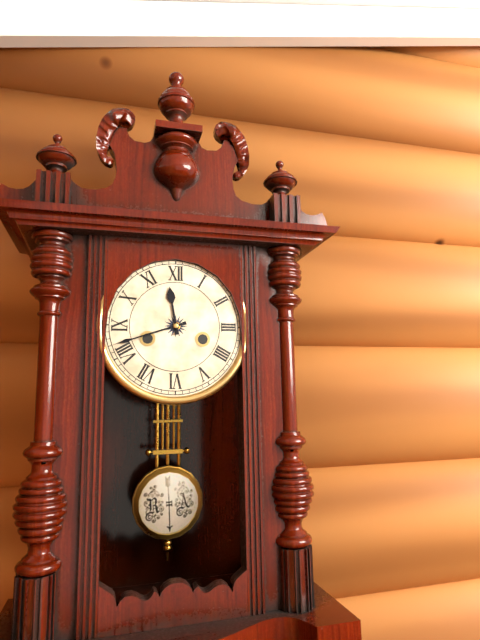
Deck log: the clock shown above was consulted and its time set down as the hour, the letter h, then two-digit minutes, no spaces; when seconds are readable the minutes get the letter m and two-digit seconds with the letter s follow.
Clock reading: 11h42
